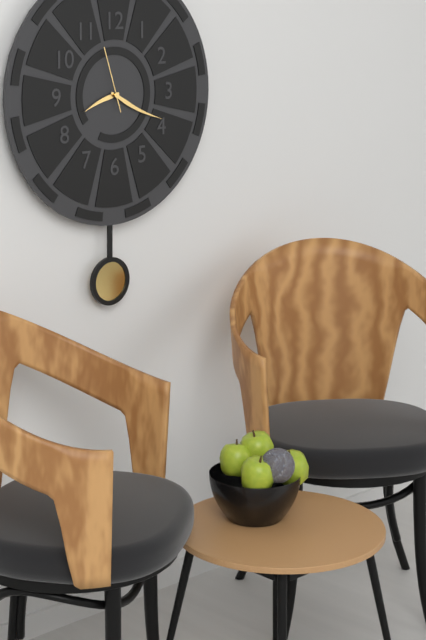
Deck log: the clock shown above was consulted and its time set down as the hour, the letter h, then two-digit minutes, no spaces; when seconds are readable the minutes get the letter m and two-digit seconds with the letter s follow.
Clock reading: 8h19m57s
